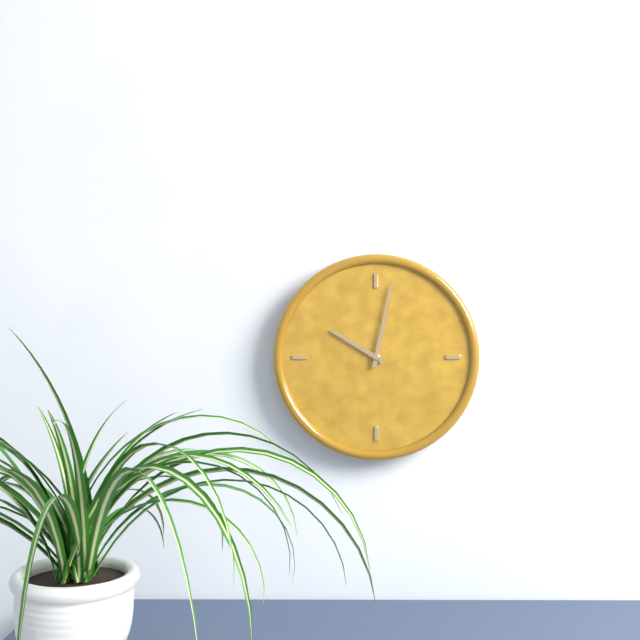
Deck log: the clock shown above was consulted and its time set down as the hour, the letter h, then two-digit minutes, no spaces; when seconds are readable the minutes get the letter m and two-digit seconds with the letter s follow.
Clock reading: 10h02
